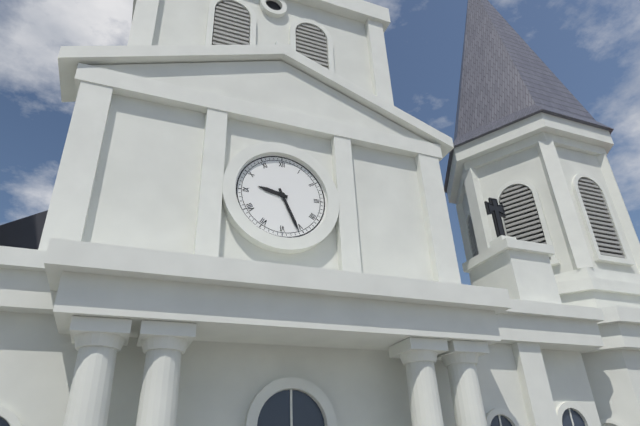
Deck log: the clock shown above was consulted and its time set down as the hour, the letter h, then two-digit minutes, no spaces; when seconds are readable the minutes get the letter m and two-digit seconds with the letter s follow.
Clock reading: 9h26
